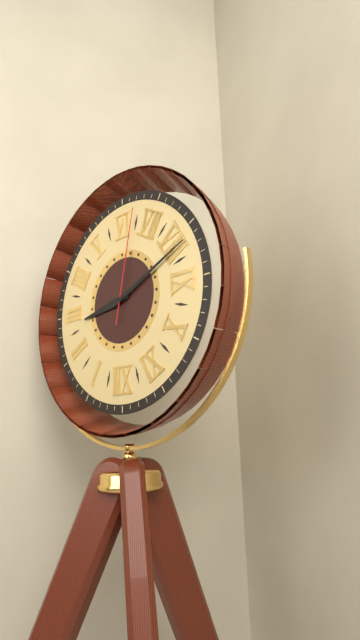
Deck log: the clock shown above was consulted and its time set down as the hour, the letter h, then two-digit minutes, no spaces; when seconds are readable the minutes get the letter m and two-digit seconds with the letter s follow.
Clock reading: 2h41m32s
